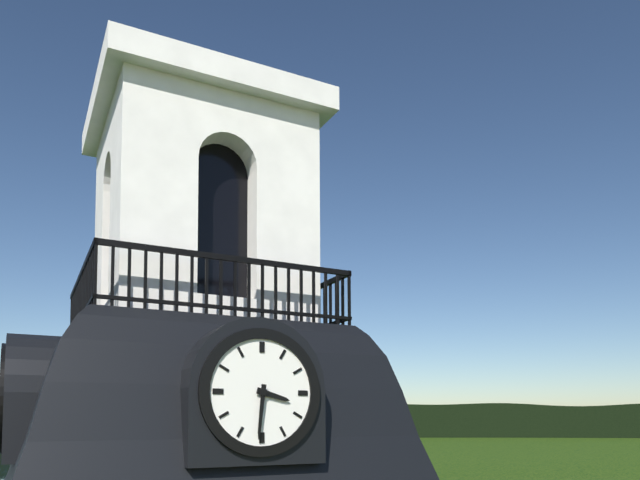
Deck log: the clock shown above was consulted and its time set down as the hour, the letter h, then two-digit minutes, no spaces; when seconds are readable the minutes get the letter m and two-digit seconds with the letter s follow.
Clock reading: 3h31
